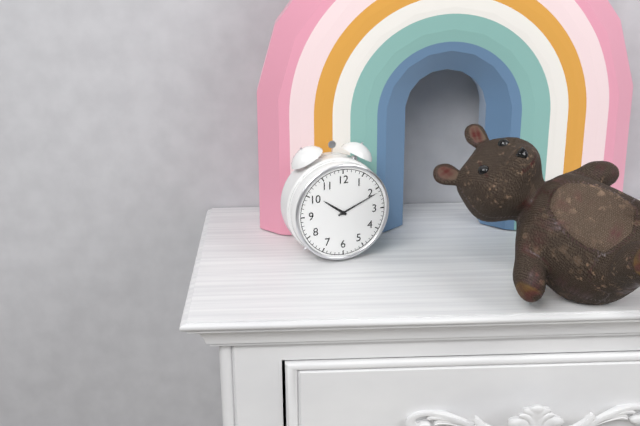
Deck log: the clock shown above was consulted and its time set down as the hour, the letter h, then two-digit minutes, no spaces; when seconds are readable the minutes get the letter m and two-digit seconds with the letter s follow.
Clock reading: 10h11
